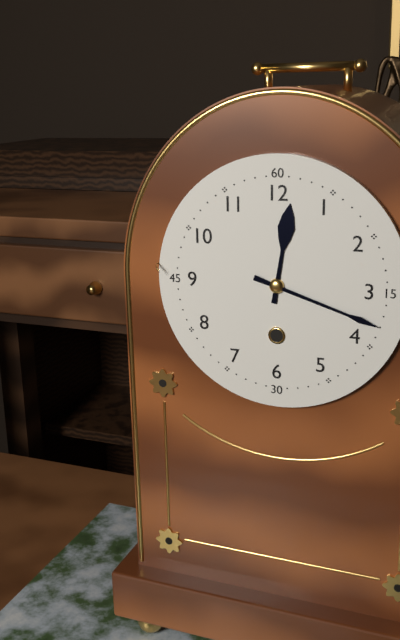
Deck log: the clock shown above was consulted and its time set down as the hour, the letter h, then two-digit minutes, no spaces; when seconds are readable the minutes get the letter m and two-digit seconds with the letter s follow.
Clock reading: 12h18
